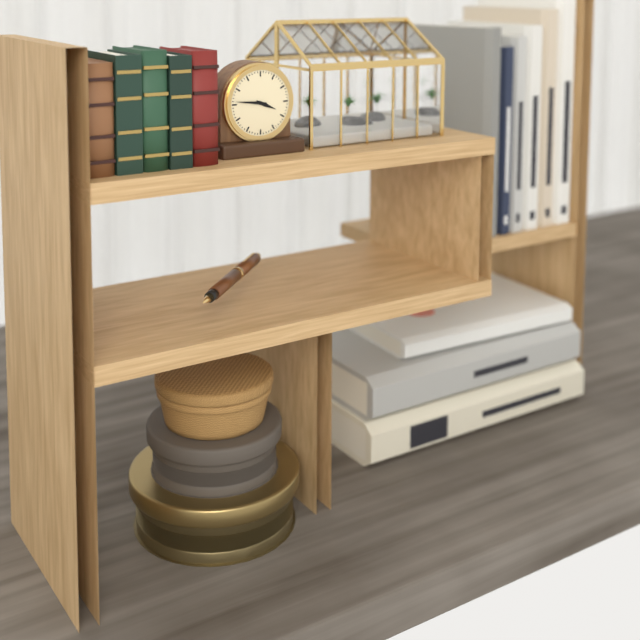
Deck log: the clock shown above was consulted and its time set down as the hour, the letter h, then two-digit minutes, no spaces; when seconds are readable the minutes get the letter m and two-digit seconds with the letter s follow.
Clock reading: 3h46
